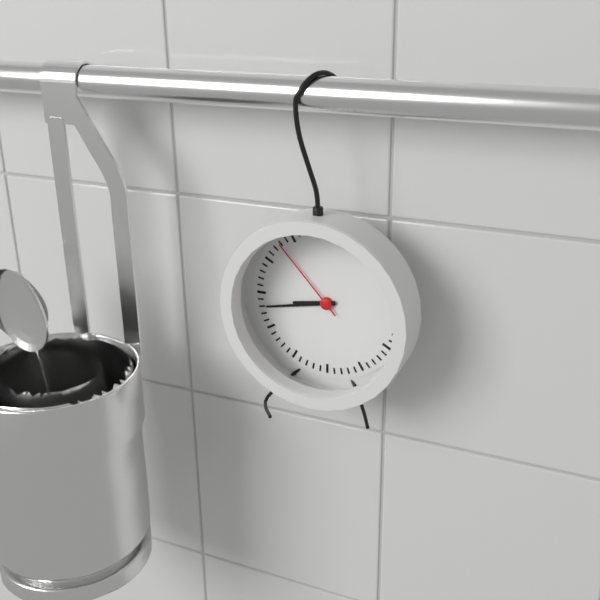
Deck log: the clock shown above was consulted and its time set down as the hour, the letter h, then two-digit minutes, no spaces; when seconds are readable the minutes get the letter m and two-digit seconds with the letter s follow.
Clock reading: 8h43m53s
